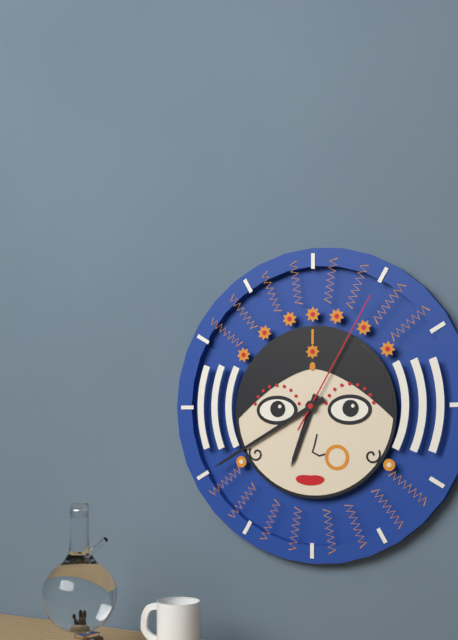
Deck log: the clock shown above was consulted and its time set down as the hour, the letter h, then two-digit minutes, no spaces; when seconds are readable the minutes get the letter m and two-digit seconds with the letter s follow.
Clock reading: 6h40m05s
